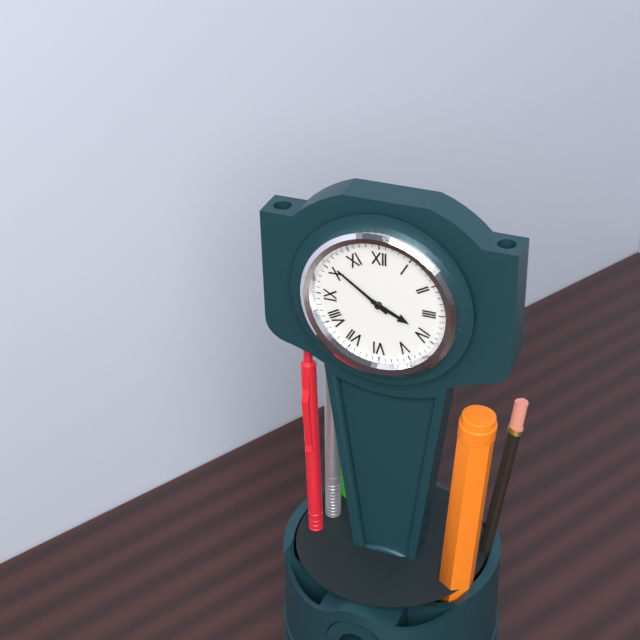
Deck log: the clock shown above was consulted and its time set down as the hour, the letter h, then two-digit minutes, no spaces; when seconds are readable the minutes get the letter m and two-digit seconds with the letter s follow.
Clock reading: 3h51
